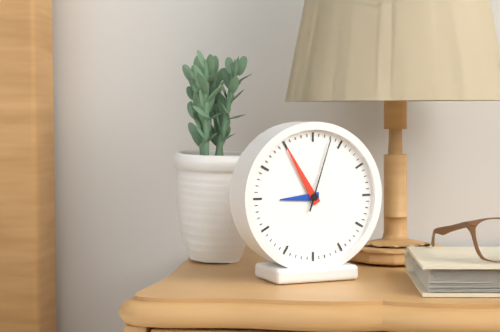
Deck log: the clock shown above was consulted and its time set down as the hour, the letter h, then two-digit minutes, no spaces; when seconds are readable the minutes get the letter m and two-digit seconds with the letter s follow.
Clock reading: 8h55m03s
